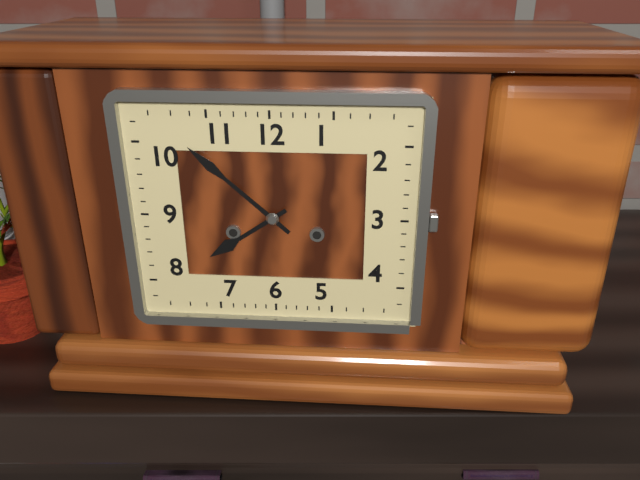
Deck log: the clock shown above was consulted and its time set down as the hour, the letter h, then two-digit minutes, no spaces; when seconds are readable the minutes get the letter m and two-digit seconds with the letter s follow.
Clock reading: 7h52
